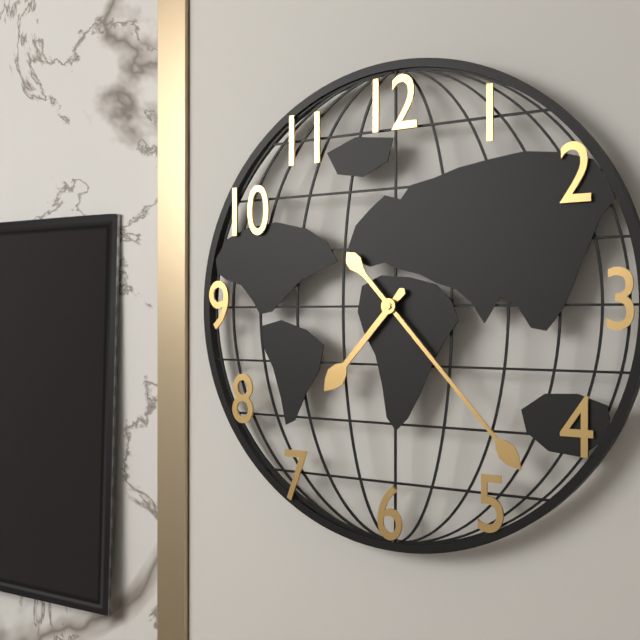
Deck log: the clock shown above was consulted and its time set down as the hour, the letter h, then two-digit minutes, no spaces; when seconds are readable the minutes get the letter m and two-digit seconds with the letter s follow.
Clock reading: 7h23
